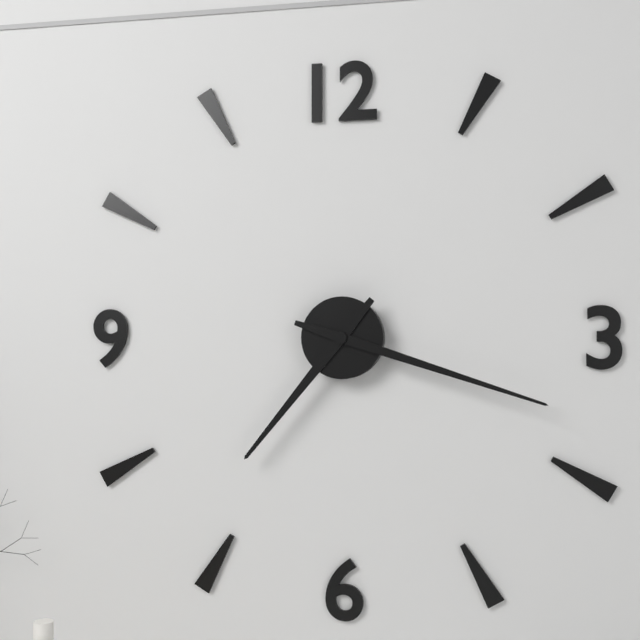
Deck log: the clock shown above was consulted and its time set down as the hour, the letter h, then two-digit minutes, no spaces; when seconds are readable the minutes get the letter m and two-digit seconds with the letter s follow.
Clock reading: 7h18
